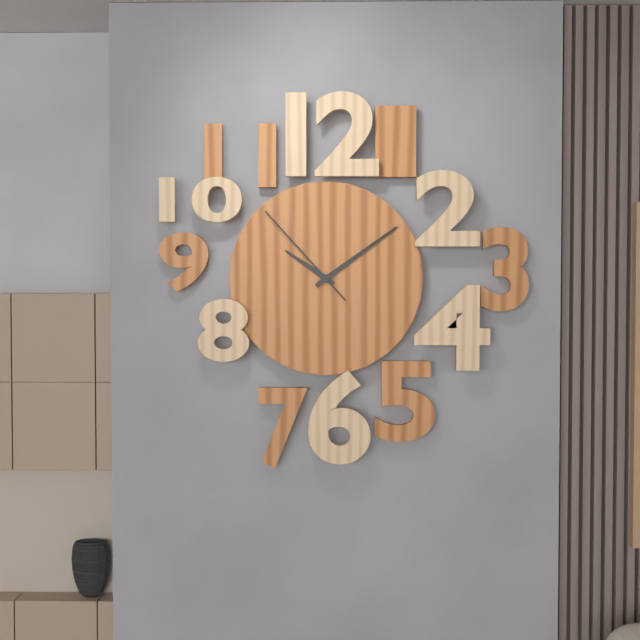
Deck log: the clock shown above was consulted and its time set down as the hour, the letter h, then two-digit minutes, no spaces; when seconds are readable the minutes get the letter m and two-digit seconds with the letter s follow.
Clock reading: 10h09m53s
